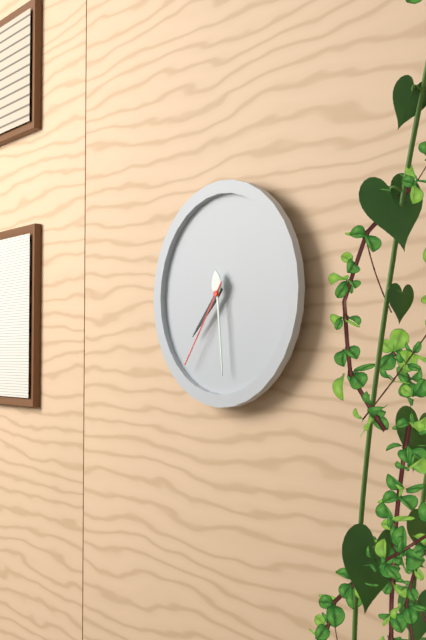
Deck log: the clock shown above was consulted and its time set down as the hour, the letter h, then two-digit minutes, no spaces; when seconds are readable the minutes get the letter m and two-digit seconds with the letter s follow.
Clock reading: 7h29m36s
